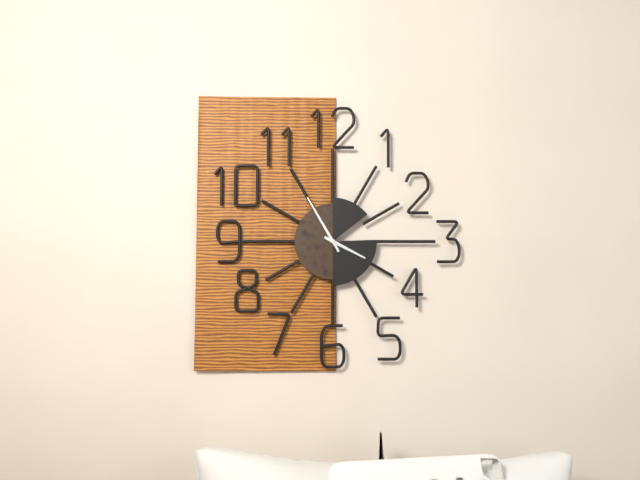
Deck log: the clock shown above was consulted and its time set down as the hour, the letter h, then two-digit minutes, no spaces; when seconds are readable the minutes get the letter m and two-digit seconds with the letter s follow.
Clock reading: 3h55
